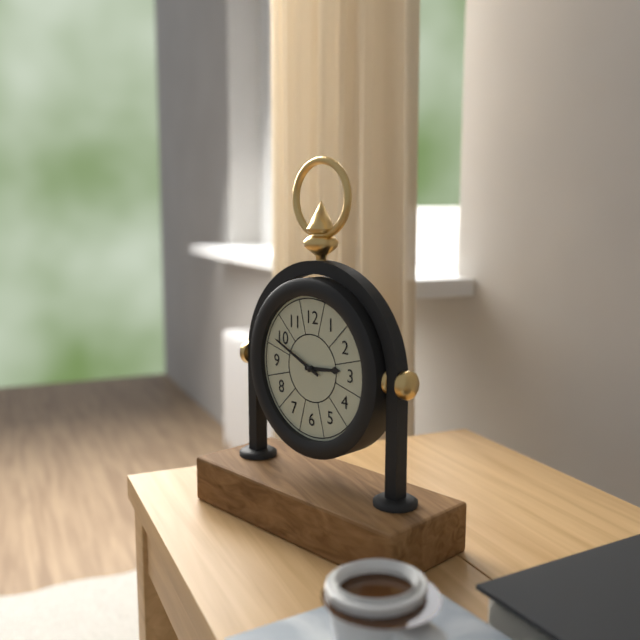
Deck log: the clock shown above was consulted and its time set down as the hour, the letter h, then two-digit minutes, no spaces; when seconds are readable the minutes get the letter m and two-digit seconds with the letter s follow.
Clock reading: 2h49
